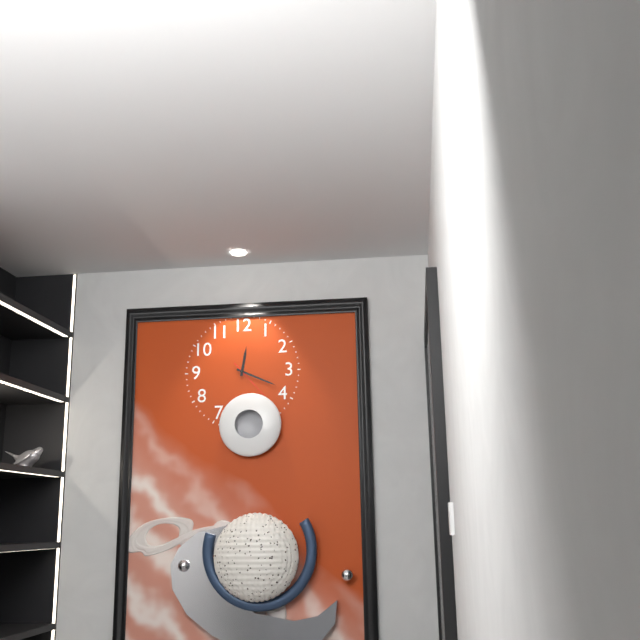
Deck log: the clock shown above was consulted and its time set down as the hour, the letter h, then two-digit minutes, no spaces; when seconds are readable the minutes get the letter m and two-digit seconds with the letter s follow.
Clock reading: 12h19m23s
